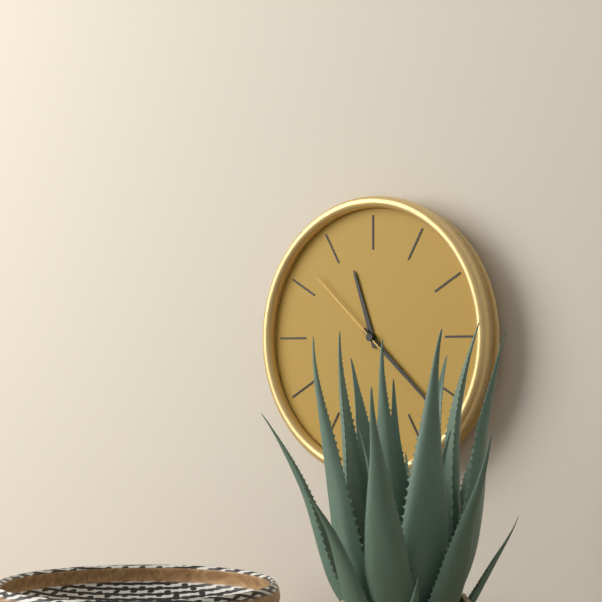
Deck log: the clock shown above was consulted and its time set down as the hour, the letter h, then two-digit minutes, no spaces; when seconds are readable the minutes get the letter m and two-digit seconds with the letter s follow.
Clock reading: 11h22m52s
